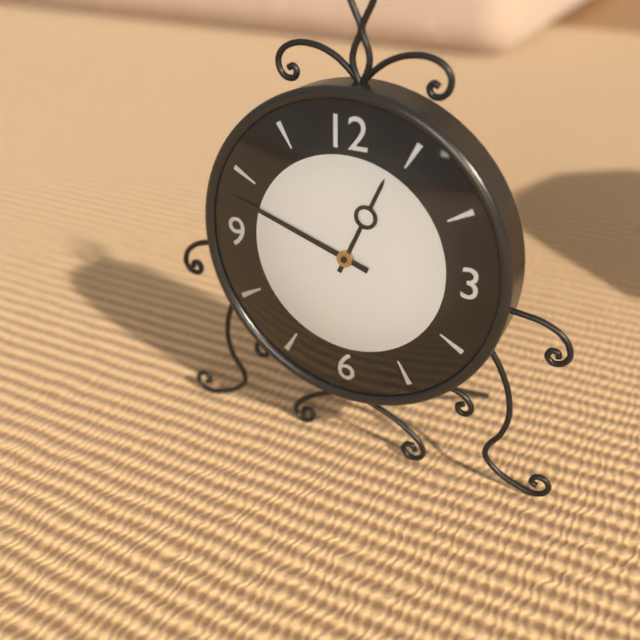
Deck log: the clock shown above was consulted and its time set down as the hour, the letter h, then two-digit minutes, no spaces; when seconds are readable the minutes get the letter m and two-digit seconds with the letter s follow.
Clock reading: 12h48
